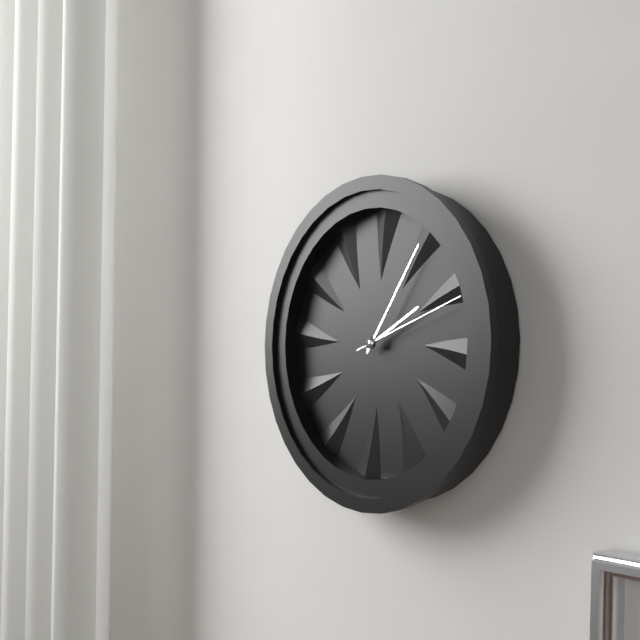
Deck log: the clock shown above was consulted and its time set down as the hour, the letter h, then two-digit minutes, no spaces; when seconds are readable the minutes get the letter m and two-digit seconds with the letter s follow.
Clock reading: 2h06m12s
